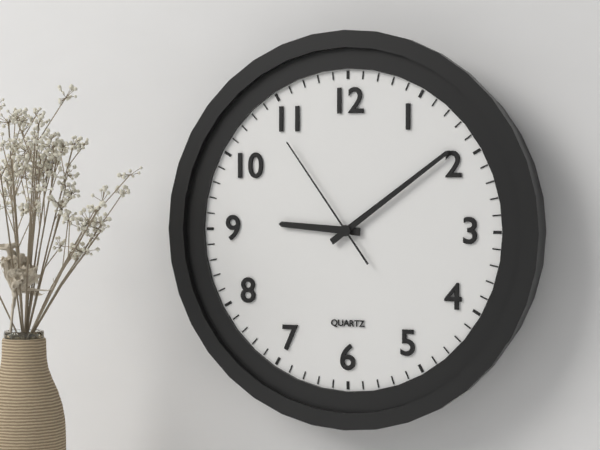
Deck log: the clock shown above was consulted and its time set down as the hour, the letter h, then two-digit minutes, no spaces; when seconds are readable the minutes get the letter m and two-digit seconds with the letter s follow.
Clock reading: 9h09m54s
